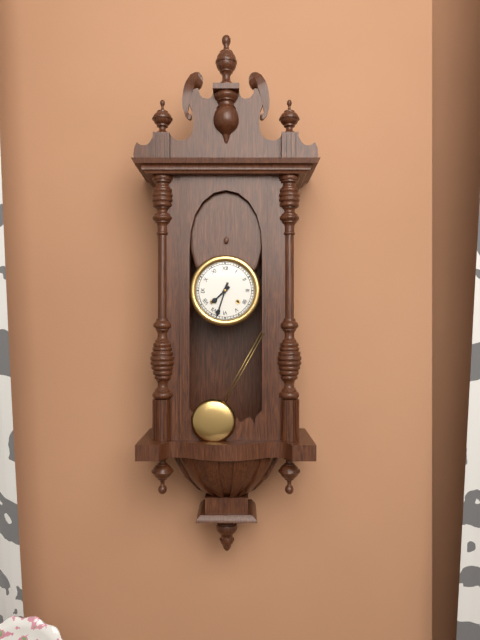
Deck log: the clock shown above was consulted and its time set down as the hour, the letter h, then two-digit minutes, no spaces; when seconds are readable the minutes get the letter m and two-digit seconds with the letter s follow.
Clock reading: 7h33
